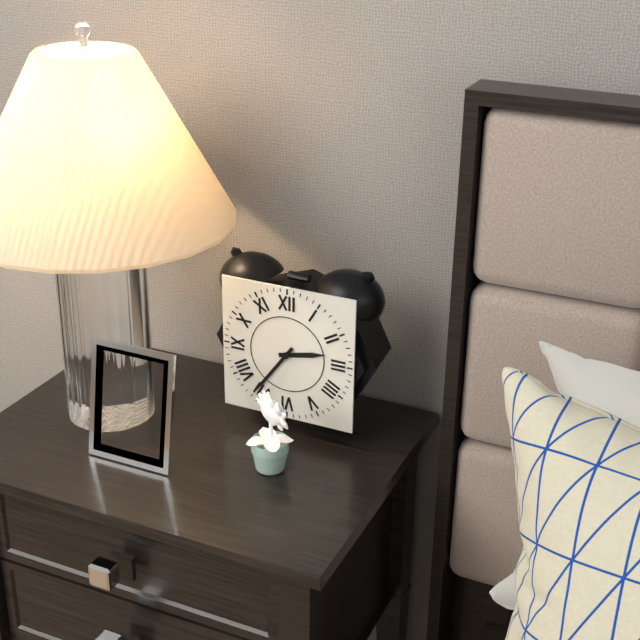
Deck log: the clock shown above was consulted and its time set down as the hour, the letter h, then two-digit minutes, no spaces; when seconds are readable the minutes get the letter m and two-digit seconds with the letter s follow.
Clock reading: 2h36
